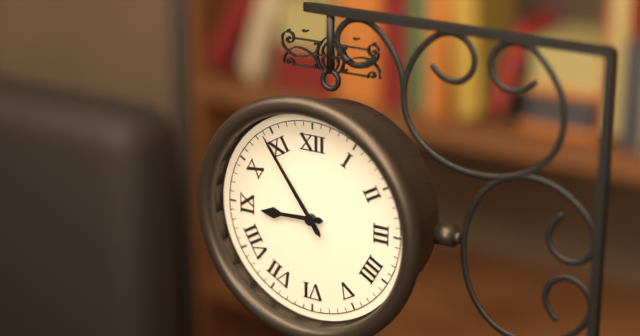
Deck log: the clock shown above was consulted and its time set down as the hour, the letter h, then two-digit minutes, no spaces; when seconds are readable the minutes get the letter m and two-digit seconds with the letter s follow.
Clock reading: 8h54
